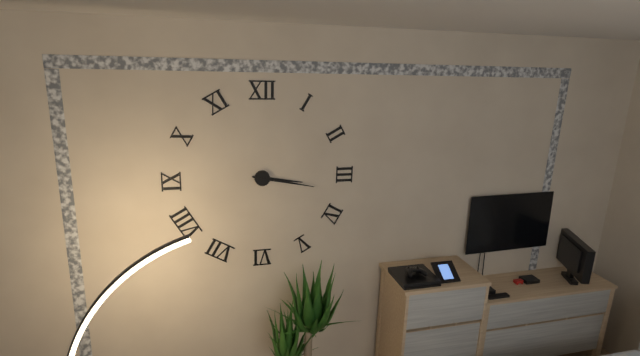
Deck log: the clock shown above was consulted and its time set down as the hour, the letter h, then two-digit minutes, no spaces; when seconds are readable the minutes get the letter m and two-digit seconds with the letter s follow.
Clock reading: 3h17
